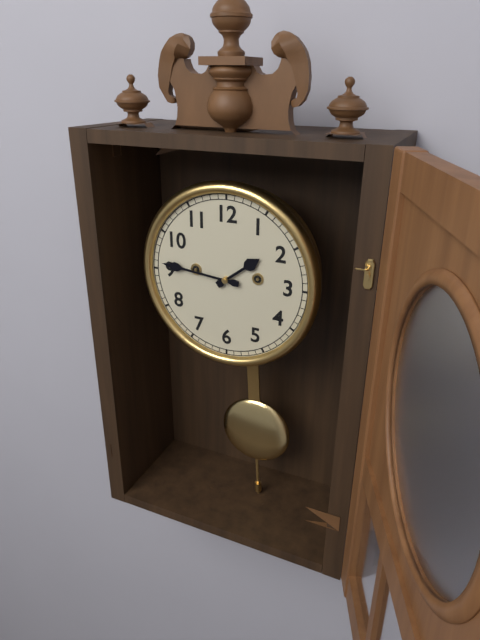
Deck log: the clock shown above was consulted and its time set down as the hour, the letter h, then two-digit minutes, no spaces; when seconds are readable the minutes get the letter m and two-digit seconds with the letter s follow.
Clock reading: 1h46
